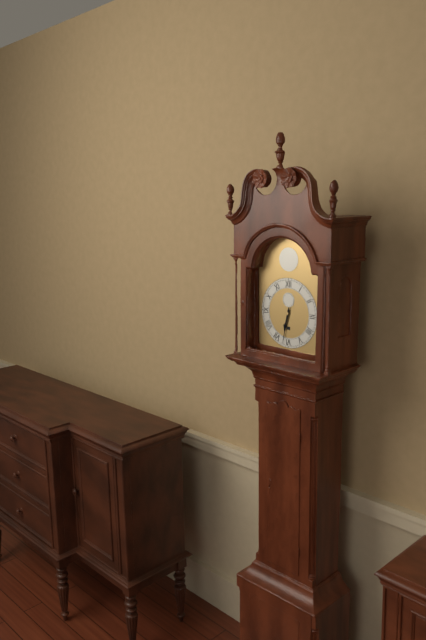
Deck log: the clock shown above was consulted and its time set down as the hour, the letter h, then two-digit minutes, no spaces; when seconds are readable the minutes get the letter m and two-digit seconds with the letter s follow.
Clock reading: 6h32
